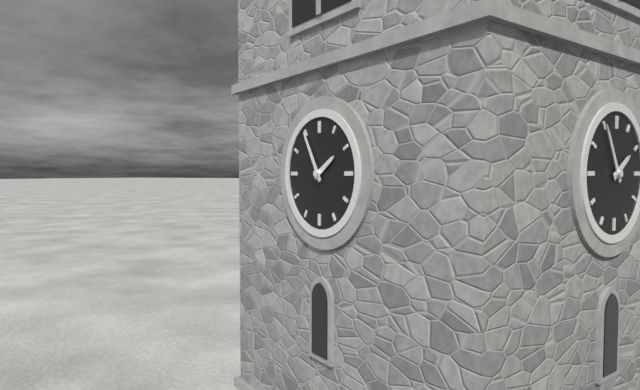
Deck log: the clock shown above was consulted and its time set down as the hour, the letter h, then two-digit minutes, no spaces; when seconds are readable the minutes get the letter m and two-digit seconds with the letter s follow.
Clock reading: 1h55
